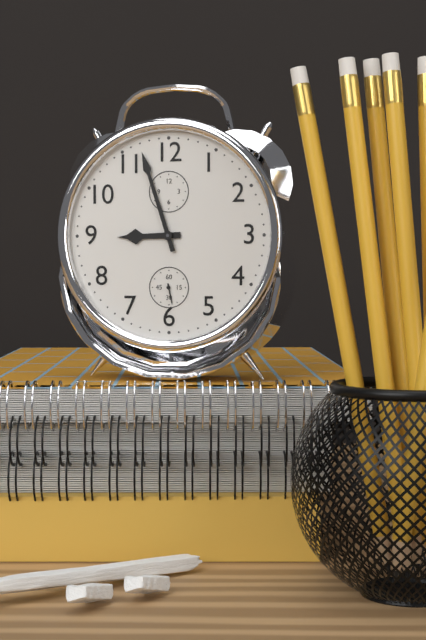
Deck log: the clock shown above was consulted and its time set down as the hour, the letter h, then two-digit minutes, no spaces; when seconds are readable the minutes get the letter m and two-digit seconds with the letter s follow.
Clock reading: 8h57
